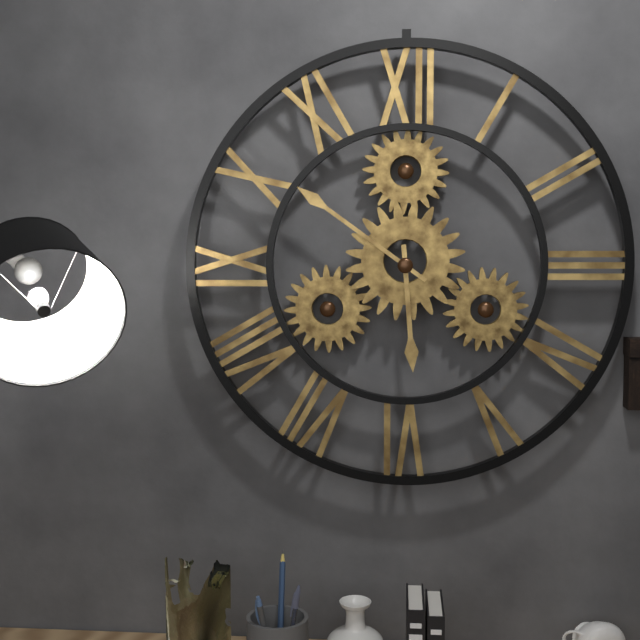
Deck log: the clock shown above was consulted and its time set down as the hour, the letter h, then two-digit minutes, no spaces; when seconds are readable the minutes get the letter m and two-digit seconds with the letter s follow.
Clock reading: 5h51
